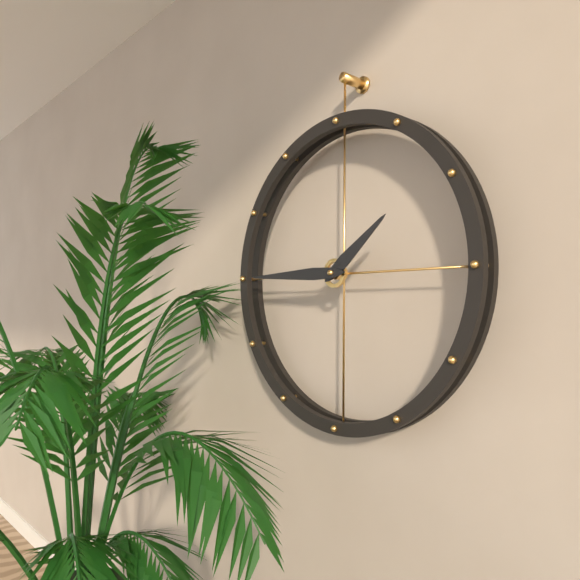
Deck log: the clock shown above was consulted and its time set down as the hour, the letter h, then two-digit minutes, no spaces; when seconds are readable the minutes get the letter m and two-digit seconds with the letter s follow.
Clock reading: 1h45
